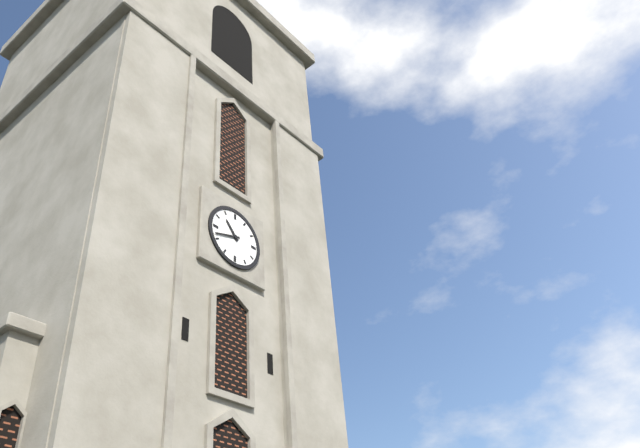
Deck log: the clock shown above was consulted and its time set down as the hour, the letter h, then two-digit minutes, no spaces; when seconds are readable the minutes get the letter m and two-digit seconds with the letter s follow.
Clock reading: 10h42
